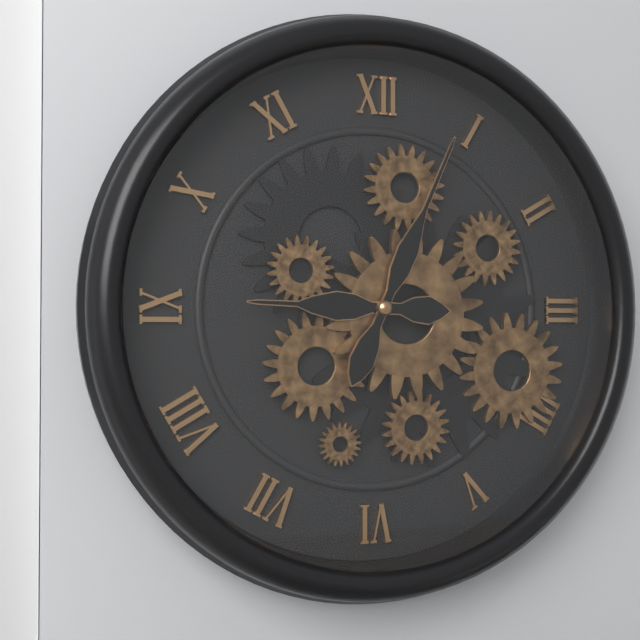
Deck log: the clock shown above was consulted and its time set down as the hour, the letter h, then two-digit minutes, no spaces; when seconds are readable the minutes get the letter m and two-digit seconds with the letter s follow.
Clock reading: 9h04
